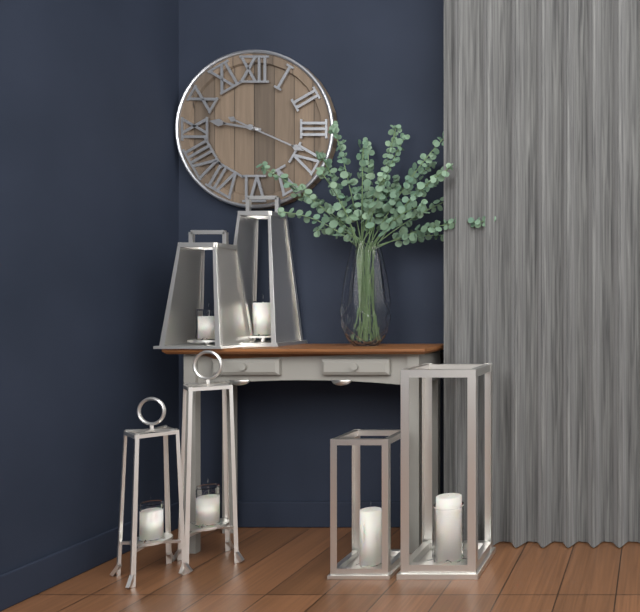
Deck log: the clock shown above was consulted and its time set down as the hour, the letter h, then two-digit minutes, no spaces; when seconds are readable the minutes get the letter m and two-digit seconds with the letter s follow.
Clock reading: 9h19
